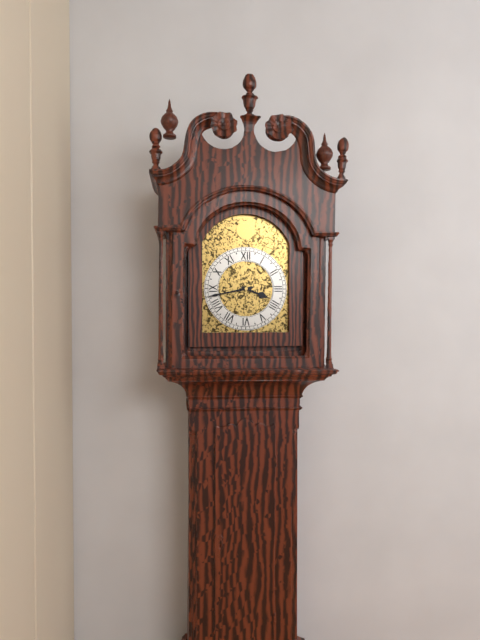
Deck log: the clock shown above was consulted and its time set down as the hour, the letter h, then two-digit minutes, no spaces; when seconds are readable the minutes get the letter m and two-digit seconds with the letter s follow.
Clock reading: 3h43
